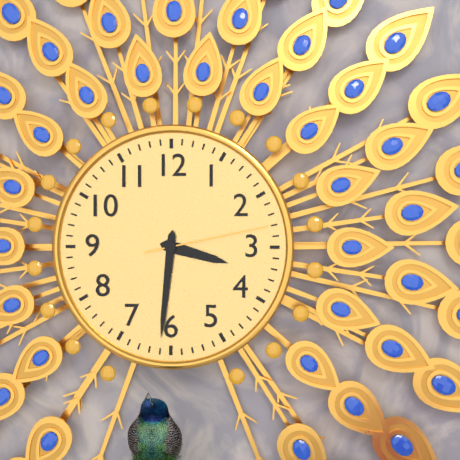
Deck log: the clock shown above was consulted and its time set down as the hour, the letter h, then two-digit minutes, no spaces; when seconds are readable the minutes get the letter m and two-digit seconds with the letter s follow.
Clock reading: 3h31m13s
